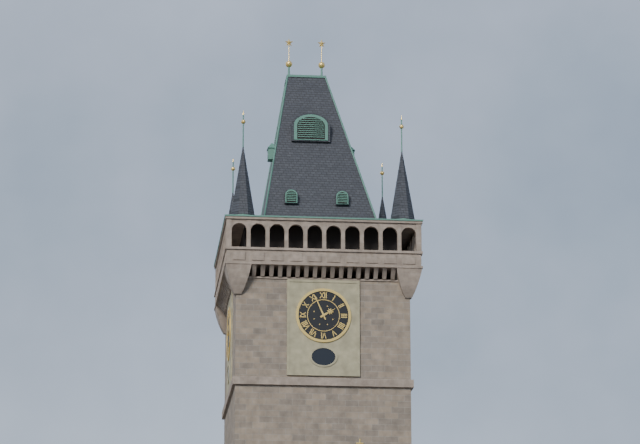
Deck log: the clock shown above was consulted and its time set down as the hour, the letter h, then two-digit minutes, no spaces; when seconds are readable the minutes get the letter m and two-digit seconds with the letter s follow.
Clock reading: 1h56
